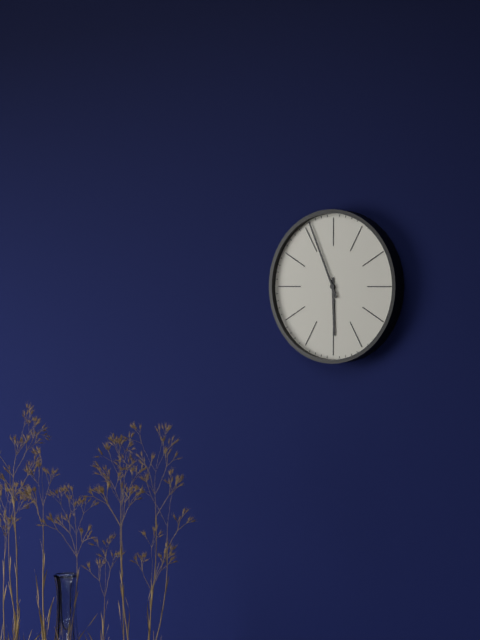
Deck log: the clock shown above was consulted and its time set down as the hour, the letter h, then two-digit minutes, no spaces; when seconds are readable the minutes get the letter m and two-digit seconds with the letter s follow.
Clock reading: 5h56
